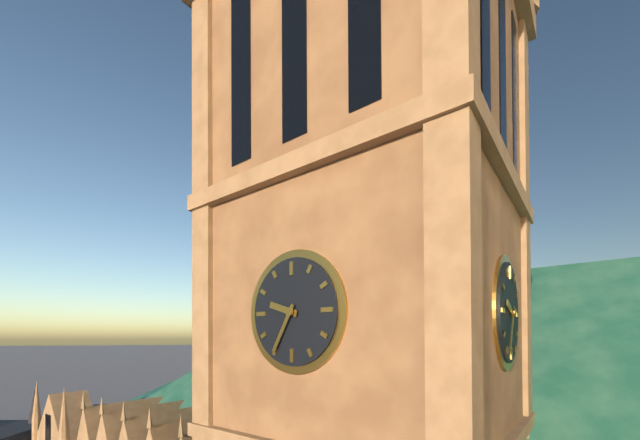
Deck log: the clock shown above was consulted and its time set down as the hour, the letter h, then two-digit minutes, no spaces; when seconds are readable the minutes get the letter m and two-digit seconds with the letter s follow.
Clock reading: 9h35
